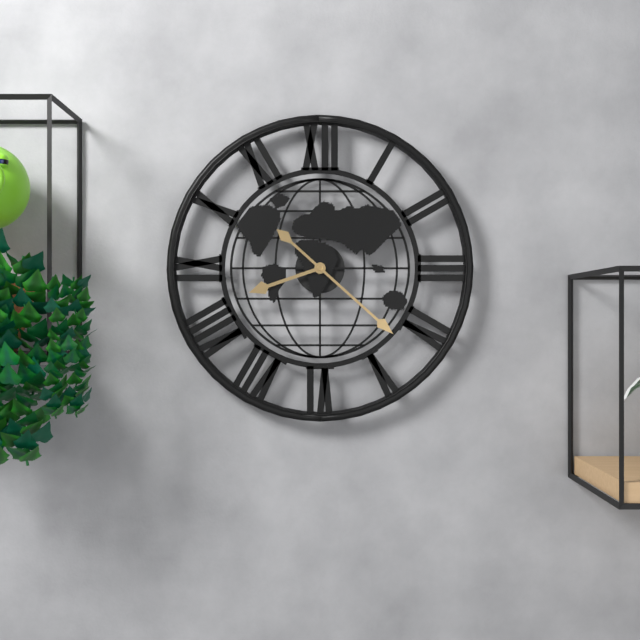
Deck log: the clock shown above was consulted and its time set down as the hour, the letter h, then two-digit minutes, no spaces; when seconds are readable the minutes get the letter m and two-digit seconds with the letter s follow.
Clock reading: 8h22
